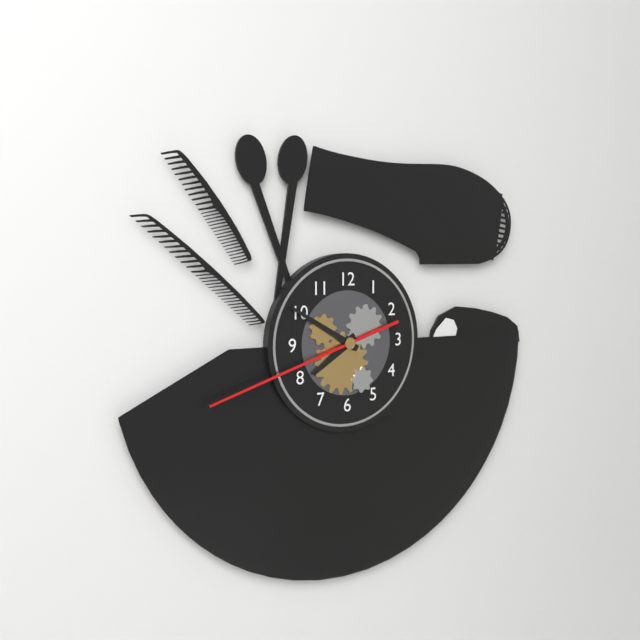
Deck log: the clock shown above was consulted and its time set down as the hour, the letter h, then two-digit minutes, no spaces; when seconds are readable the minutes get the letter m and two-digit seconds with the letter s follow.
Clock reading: 7h50m42s
